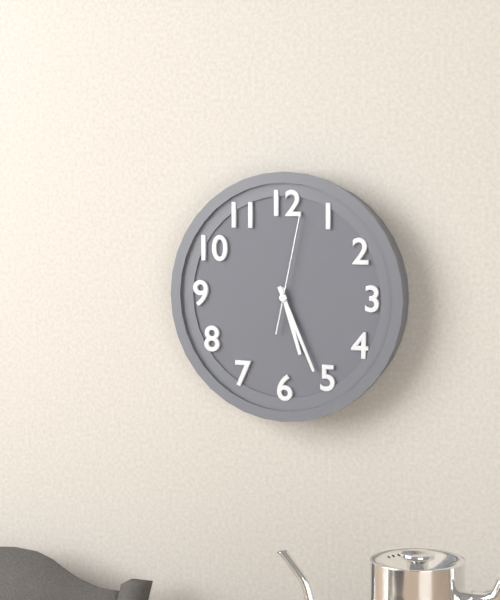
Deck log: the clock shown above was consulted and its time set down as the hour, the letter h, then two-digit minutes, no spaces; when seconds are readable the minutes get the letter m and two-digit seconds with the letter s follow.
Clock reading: 5h26m02s
